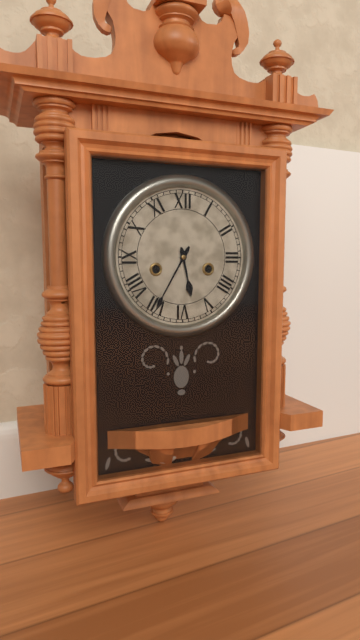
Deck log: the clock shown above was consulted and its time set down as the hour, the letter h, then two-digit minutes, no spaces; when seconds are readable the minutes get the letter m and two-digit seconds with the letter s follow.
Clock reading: 5h35
